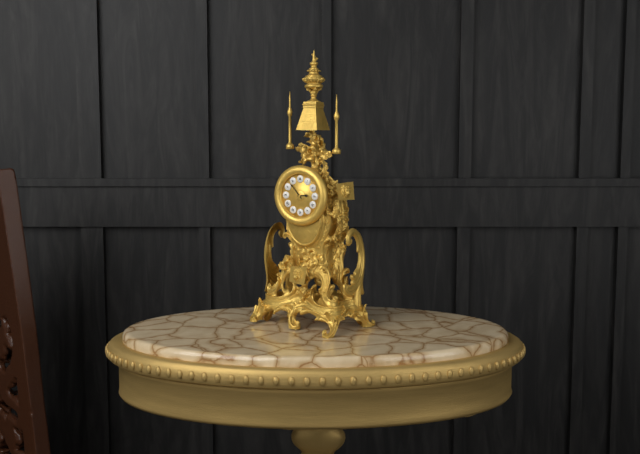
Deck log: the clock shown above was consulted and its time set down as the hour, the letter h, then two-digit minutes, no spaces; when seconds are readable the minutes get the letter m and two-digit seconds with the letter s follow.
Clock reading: 2h53
